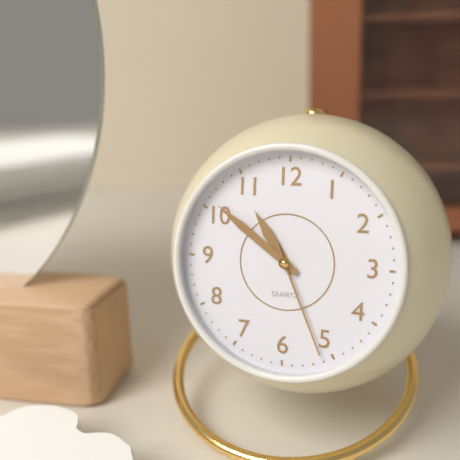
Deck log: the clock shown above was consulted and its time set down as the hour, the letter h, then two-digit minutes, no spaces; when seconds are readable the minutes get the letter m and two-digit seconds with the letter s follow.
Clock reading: 10h51m26s
